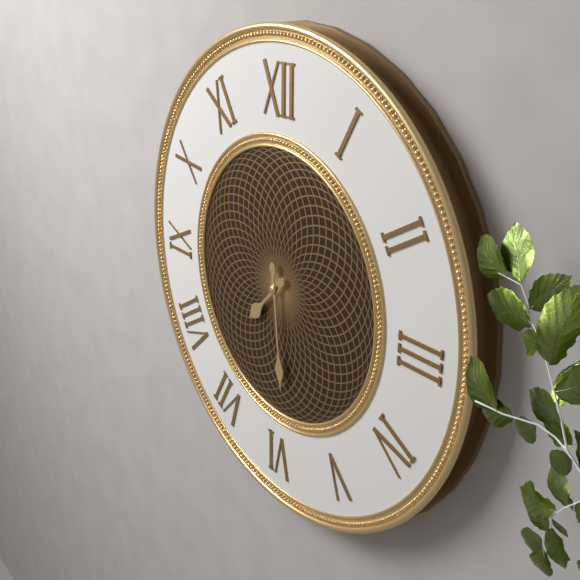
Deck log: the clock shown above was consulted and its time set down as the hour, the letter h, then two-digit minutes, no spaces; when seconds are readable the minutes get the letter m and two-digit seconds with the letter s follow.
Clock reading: 7h29
